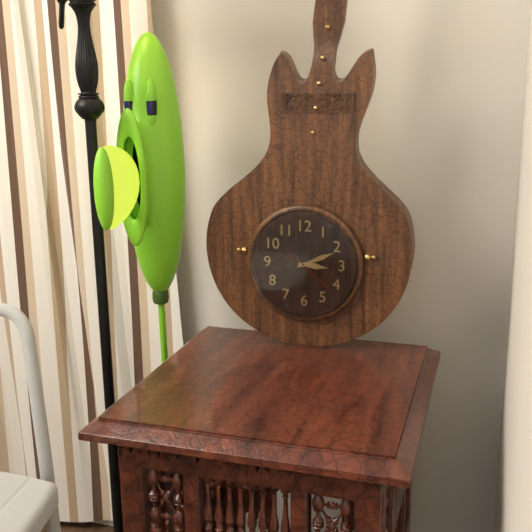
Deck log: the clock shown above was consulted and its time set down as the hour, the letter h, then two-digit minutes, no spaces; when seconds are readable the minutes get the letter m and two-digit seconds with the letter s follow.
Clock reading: 3h11
